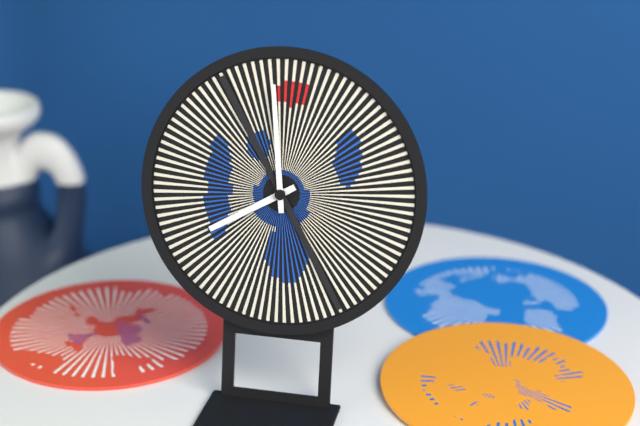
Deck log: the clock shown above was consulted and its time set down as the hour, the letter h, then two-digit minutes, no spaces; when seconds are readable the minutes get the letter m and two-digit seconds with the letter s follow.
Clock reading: 7h59
